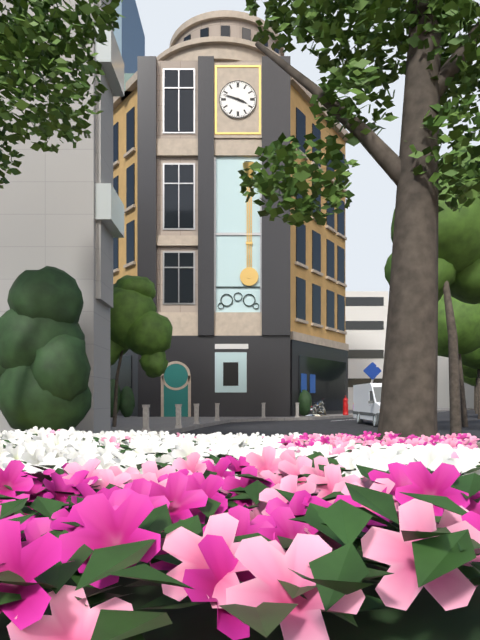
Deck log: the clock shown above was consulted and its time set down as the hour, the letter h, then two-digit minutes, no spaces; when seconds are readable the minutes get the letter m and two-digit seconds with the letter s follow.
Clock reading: 3h48
